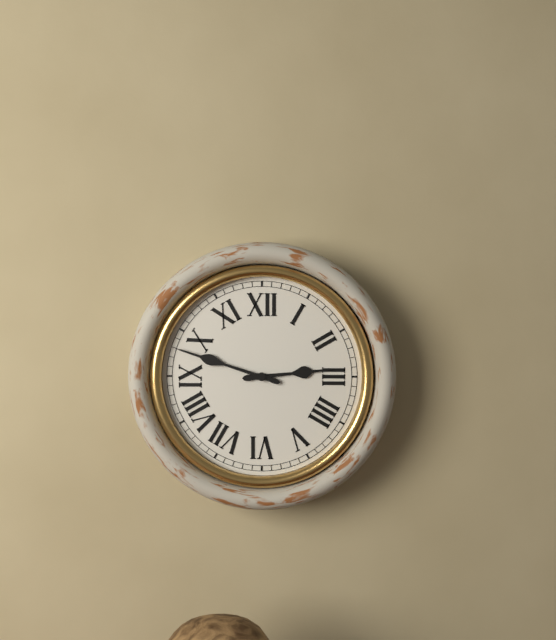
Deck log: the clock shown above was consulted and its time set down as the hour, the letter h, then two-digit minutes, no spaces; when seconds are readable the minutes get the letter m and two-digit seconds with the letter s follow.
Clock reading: 2h48
